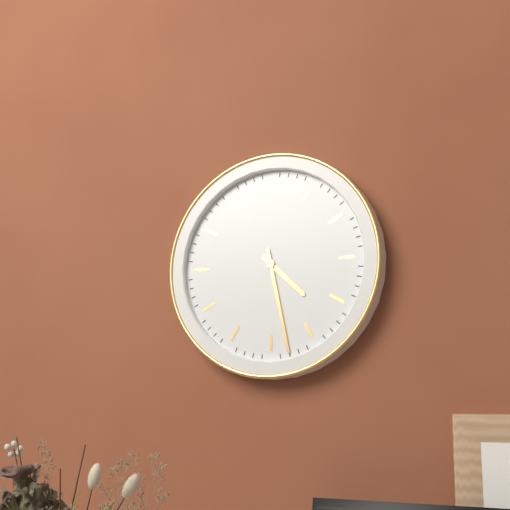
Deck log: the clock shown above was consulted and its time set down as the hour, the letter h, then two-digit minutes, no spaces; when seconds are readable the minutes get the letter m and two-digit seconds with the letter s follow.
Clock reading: 4h28
